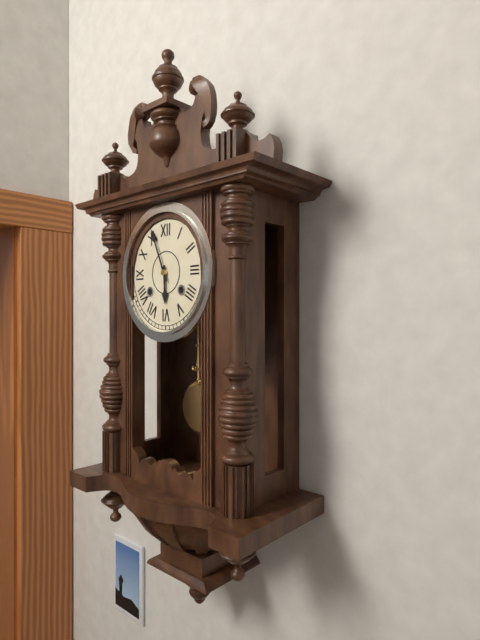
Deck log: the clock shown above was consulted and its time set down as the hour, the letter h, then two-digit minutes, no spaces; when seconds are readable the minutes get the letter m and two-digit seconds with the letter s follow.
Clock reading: 5h56
